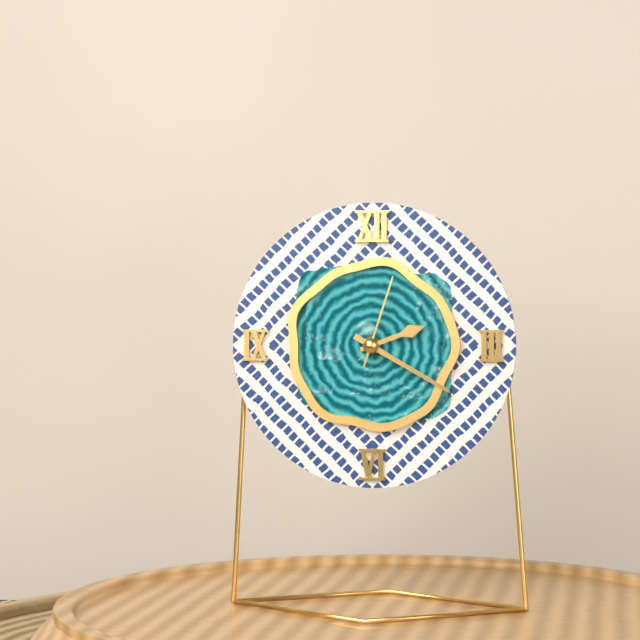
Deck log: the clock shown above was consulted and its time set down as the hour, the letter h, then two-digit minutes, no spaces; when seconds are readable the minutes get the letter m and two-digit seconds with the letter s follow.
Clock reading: 2h20m03s
